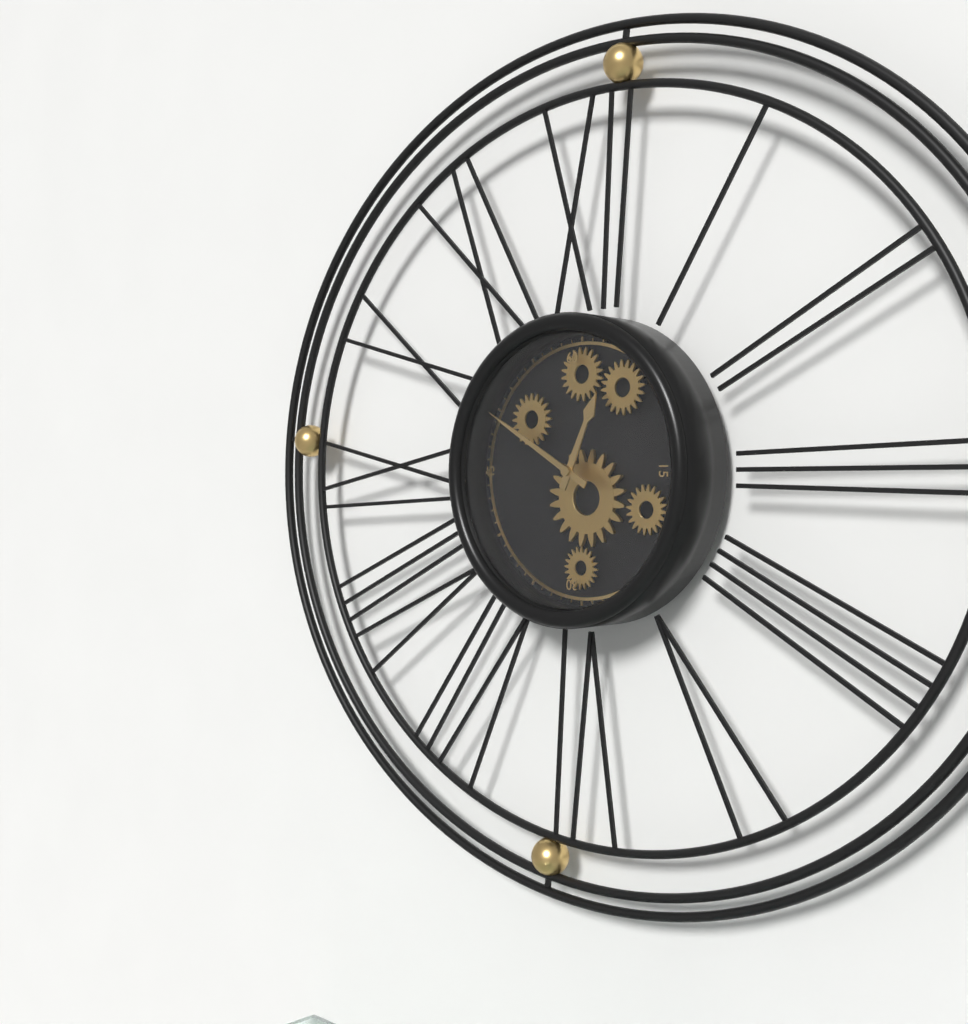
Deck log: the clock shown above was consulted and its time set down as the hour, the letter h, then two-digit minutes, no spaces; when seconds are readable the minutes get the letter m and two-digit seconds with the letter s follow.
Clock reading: 12h50
